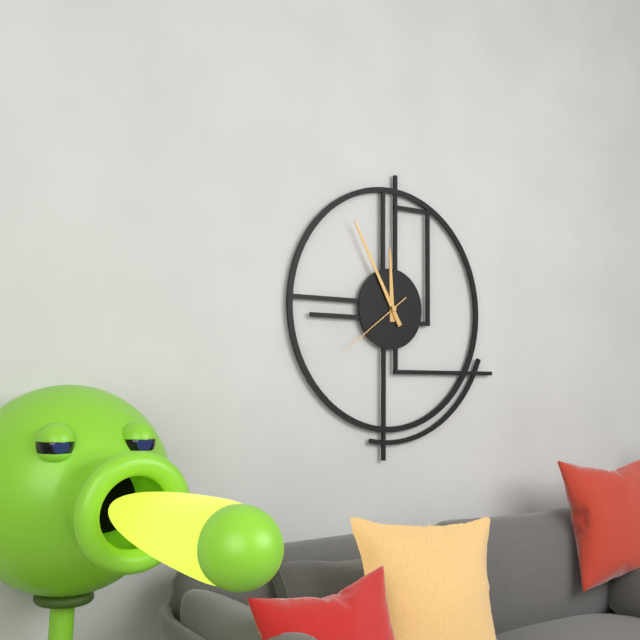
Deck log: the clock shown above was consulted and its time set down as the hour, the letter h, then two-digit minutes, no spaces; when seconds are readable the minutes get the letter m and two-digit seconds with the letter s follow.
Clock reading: 11h55m39s
